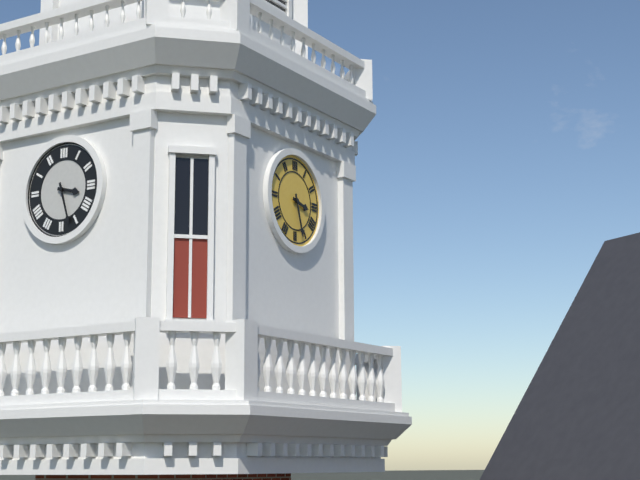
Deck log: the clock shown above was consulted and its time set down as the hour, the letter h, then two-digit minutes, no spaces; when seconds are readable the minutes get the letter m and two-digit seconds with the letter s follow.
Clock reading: 3h27
